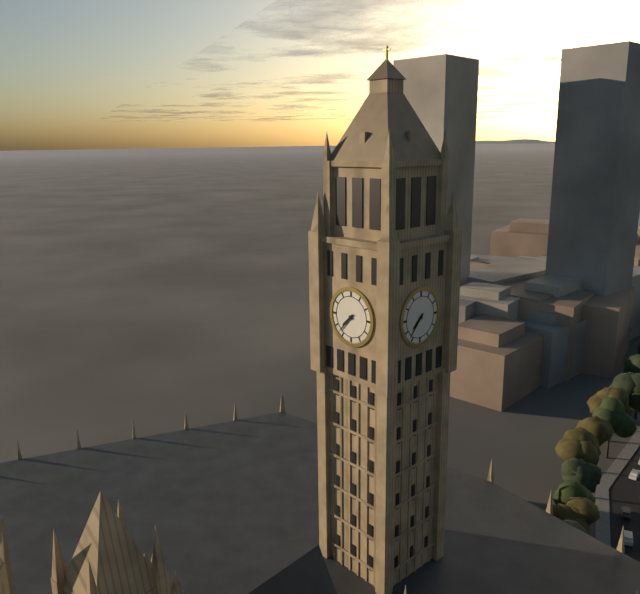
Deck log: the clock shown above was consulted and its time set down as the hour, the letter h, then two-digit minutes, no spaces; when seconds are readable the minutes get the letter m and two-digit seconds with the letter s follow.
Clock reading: 7h37
